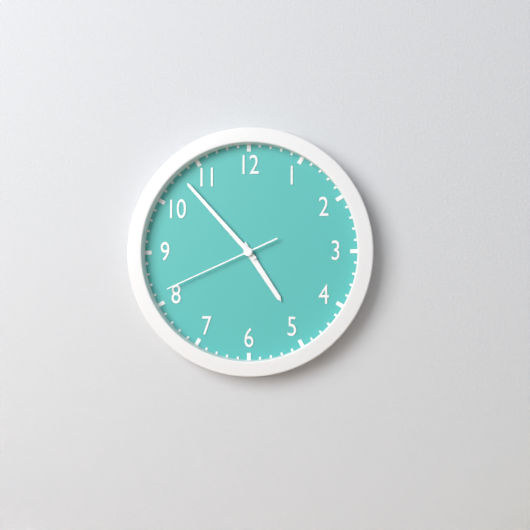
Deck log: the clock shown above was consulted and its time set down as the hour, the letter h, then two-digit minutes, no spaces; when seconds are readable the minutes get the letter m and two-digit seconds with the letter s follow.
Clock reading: 4h53m41s
